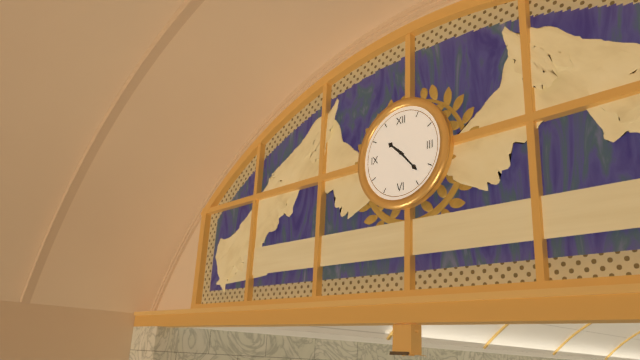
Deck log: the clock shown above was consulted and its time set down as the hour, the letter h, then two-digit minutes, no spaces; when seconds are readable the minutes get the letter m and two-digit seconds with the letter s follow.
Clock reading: 10h23
